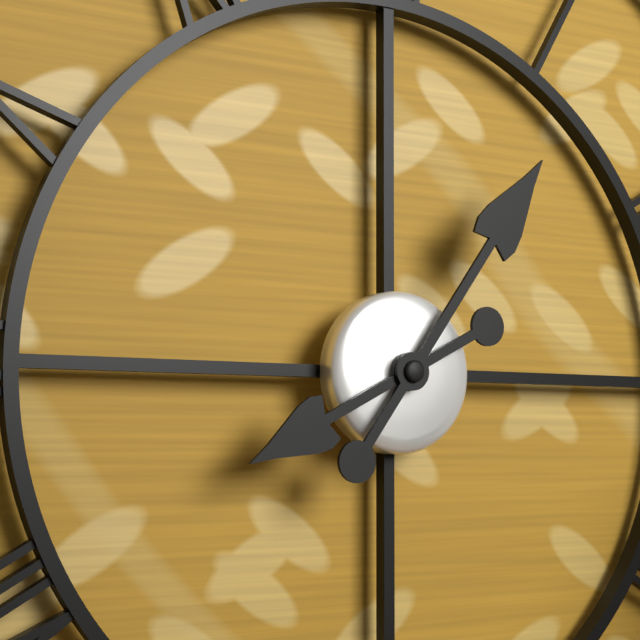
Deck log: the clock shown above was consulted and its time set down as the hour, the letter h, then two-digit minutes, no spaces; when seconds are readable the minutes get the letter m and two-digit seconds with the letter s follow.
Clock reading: 8h06
